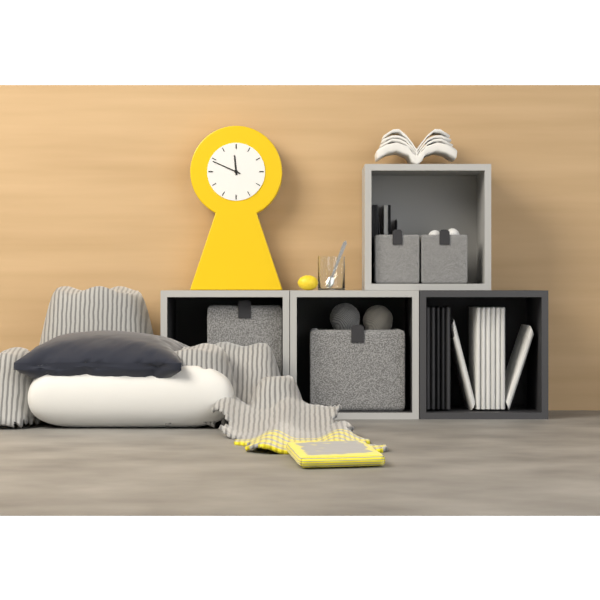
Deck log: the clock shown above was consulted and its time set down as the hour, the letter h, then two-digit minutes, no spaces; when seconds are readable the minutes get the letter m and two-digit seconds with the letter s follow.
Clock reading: 11h49
